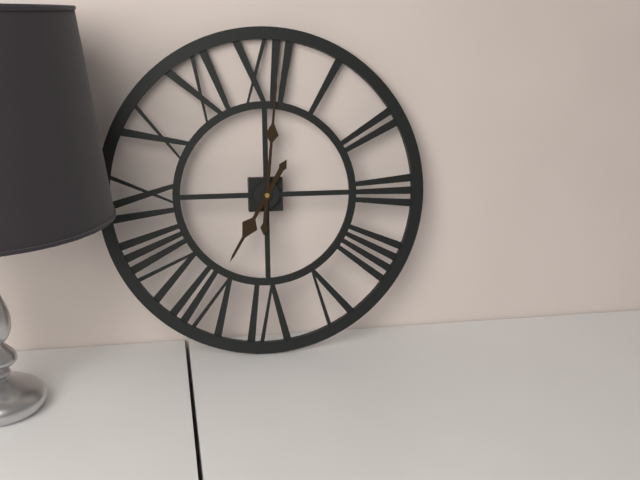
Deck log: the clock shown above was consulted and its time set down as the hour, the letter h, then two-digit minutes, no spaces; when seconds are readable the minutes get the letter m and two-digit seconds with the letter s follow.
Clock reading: 7h01
